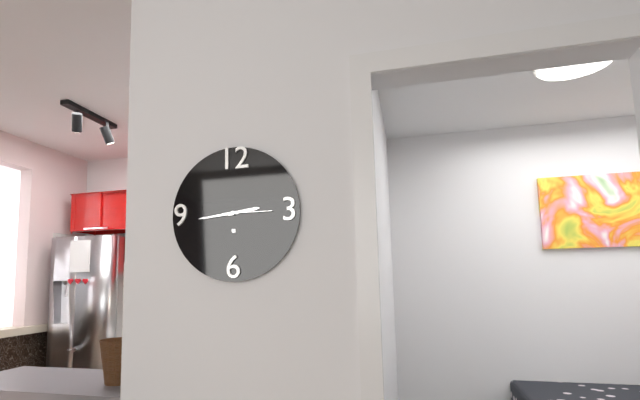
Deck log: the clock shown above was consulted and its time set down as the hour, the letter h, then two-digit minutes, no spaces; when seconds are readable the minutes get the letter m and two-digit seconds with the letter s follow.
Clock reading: 2h44
